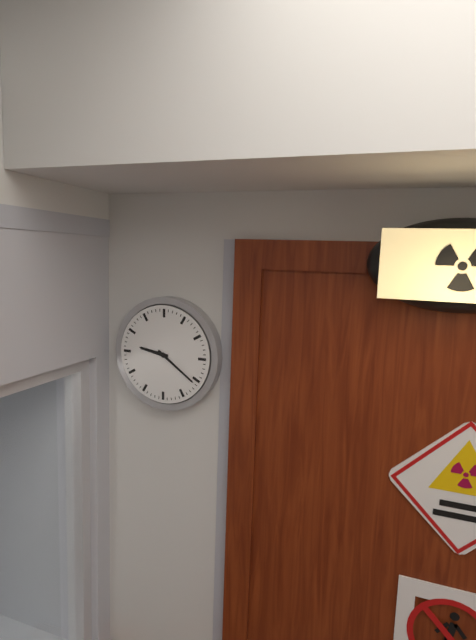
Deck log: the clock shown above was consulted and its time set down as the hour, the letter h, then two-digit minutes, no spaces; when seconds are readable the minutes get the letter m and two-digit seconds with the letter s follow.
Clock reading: 9h21
